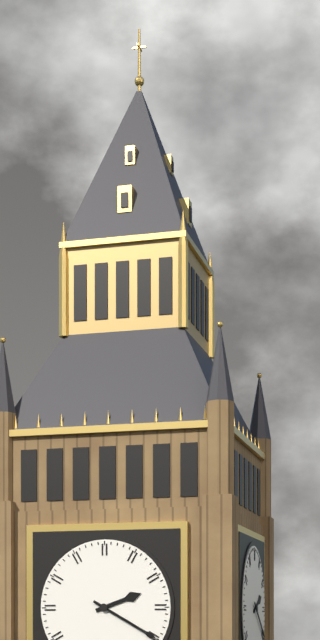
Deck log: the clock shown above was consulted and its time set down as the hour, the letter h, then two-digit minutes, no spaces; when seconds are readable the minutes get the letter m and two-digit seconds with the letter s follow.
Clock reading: 2h20
